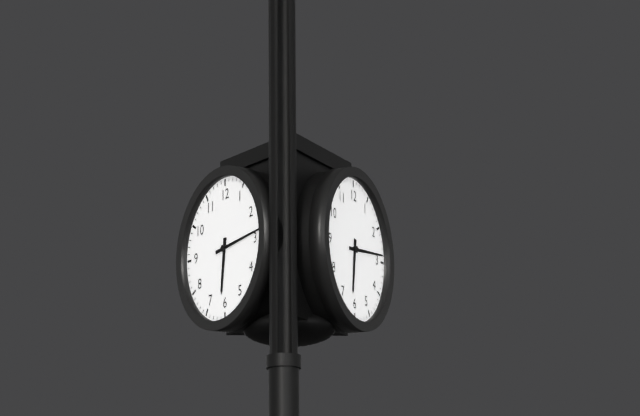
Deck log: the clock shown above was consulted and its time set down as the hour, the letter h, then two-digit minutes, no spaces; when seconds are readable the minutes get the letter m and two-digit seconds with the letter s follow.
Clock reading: 6h14
